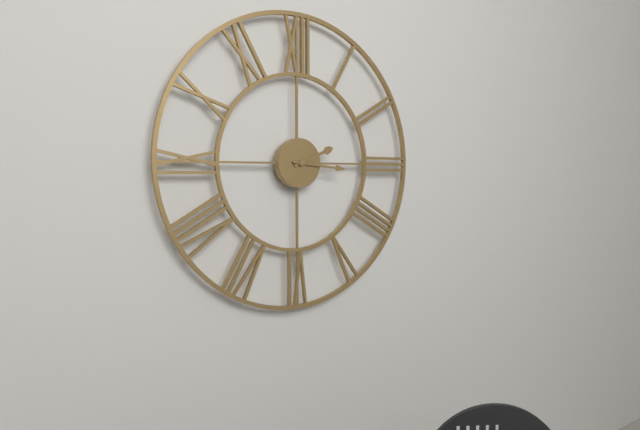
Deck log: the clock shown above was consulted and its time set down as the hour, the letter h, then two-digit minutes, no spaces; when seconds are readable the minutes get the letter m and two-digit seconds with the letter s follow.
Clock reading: 2h16
